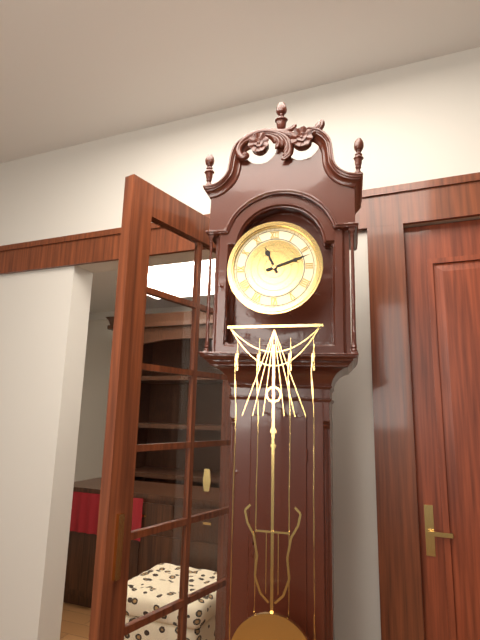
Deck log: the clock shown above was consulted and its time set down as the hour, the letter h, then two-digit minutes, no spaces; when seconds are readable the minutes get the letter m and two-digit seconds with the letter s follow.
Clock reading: 11h12
